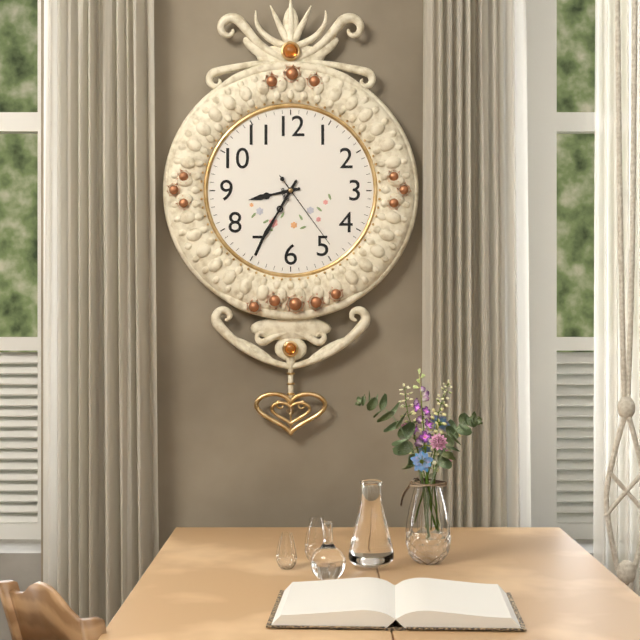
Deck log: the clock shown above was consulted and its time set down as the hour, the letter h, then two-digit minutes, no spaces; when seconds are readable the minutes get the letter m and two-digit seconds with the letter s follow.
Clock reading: 8h35m24s
